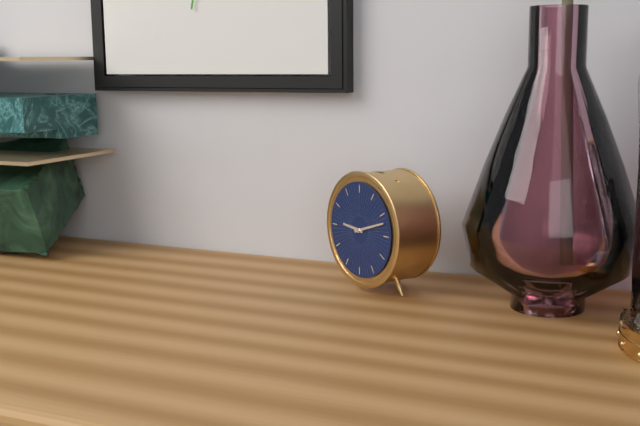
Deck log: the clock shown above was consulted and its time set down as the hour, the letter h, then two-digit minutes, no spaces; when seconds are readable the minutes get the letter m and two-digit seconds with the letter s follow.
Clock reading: 9h12
